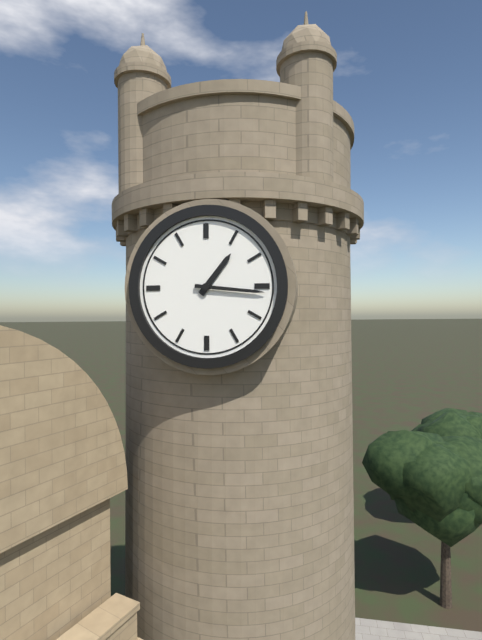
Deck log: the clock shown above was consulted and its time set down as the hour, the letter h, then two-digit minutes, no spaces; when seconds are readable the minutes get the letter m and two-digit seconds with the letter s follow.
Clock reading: 1h16
